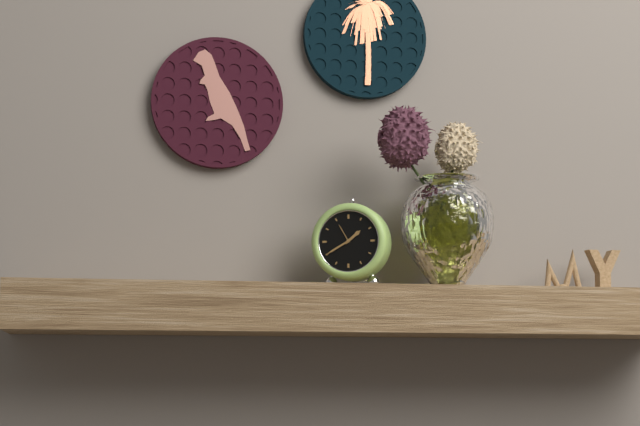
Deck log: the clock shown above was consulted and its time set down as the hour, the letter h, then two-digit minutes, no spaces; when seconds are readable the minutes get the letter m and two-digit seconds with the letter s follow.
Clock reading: 1h40
